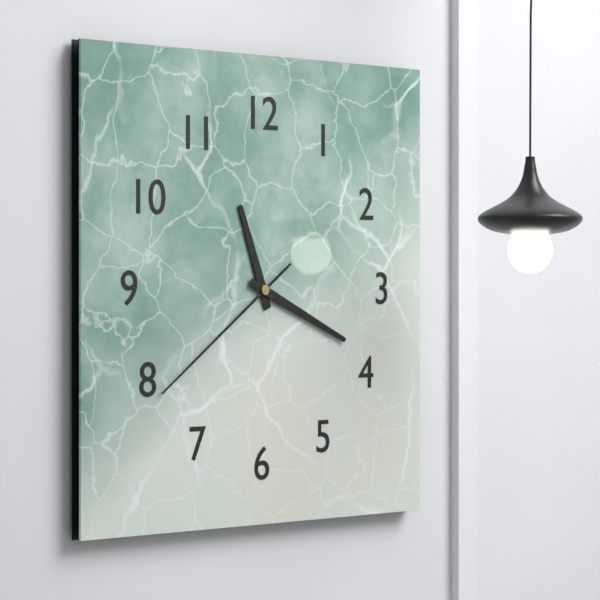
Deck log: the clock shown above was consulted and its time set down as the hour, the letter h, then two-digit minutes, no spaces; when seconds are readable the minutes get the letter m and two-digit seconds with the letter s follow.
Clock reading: 11h19m39s
